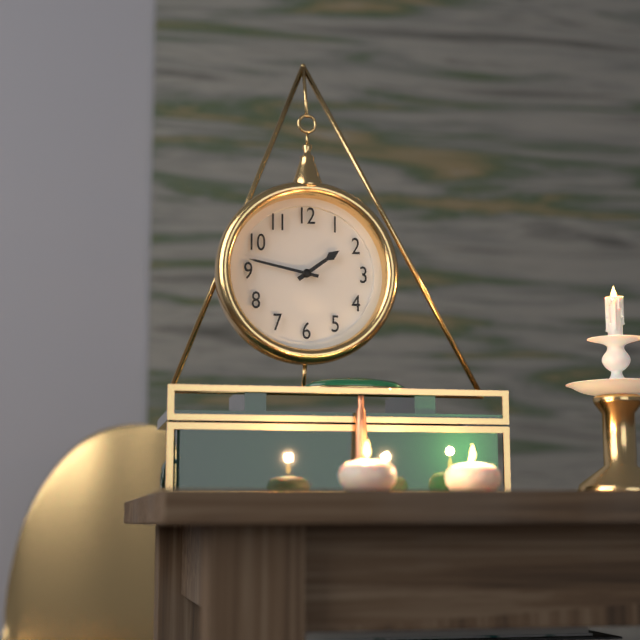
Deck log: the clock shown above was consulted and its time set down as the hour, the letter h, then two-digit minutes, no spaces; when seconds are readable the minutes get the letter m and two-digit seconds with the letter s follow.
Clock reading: 1h47
